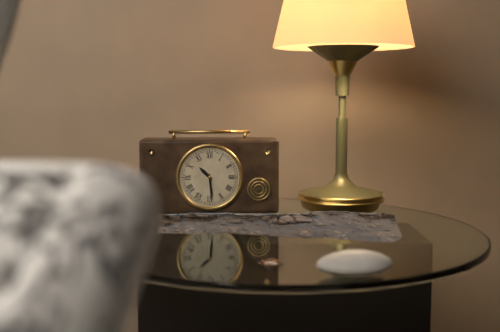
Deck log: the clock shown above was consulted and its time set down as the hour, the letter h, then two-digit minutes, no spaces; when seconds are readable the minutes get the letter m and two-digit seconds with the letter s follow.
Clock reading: 10h29
